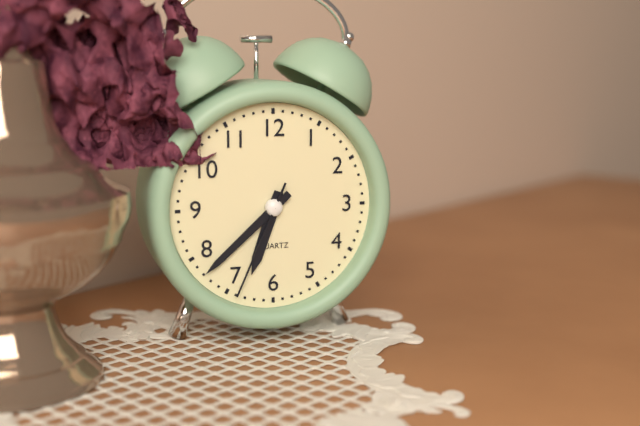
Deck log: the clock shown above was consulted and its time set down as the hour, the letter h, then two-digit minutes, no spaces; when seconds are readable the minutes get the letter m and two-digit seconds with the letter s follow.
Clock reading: 6h38m34s
